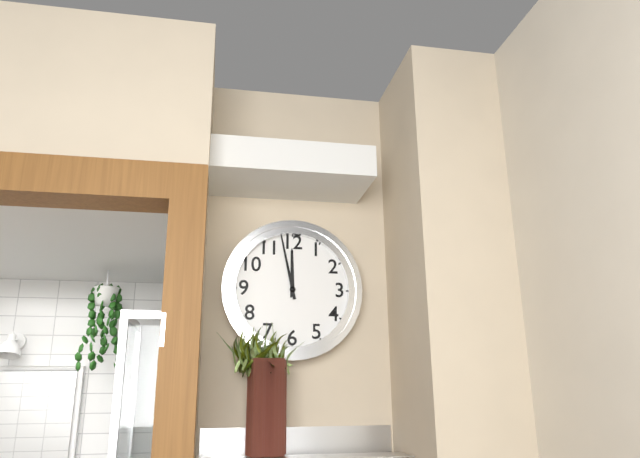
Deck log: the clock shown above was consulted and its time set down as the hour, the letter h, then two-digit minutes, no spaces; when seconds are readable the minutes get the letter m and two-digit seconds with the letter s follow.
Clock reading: 11h58
